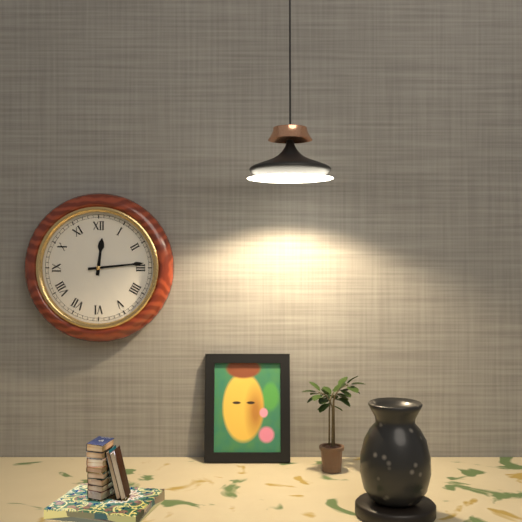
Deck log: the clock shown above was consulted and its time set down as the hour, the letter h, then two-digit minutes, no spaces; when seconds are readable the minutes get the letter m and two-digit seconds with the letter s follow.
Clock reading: 12h14
